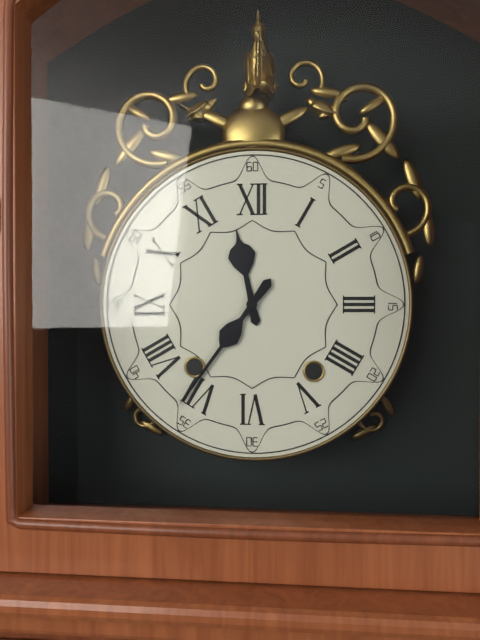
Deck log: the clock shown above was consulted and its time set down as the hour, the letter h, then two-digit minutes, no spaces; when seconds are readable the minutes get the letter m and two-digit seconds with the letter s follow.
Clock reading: 11h36
